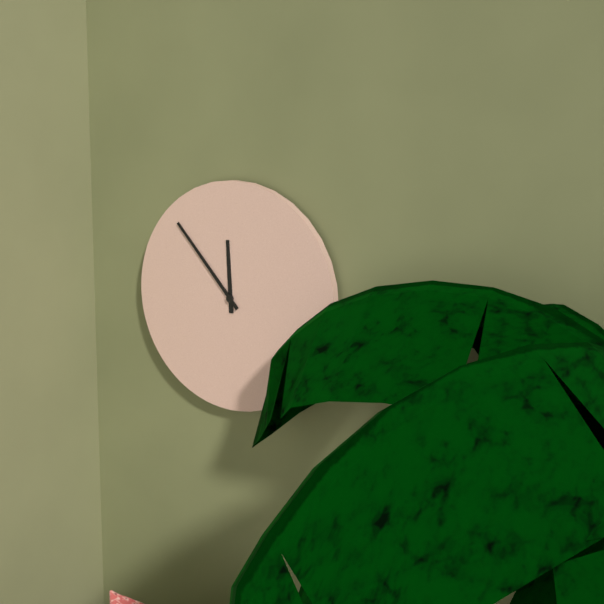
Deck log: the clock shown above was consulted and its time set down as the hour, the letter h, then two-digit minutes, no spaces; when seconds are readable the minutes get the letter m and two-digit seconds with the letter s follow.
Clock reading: 11h53
